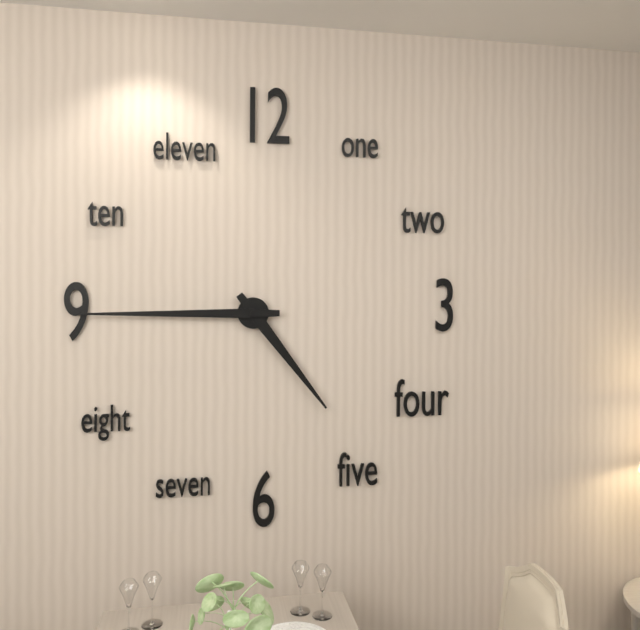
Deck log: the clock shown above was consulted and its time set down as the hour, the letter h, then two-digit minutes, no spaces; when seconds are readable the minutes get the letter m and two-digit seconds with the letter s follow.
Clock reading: 4h45
